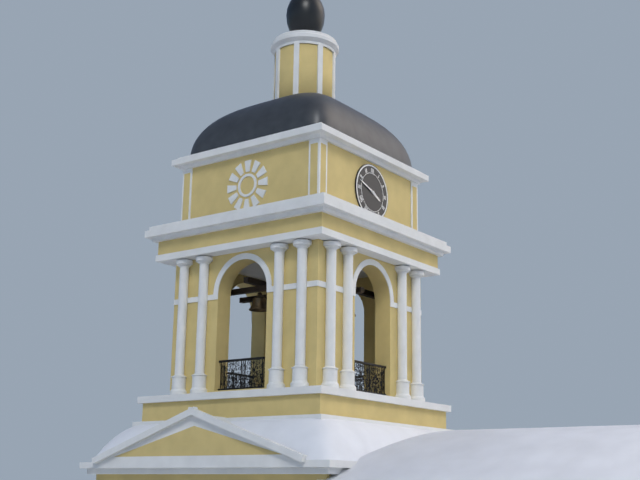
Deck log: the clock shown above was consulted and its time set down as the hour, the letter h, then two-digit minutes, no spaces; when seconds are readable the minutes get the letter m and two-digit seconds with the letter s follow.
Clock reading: 3h48
